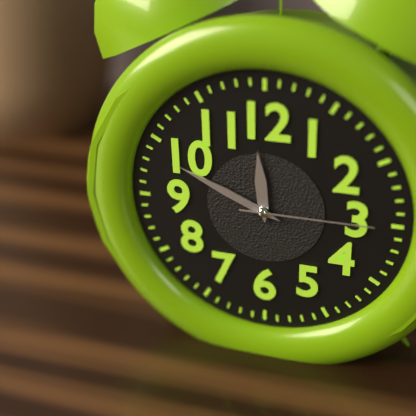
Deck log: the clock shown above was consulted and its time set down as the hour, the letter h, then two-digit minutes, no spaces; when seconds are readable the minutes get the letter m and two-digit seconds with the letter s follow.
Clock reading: 11h49m15s
